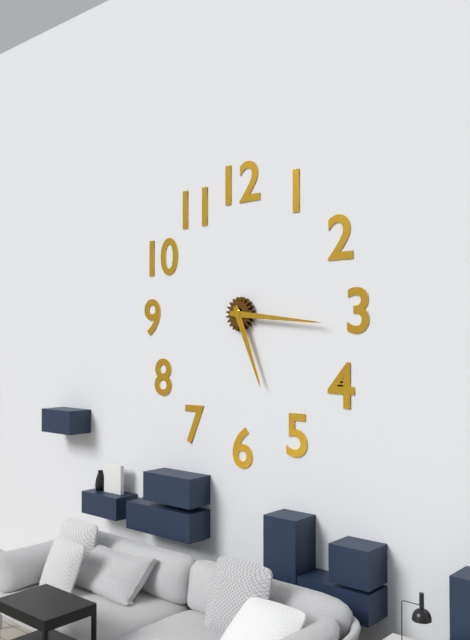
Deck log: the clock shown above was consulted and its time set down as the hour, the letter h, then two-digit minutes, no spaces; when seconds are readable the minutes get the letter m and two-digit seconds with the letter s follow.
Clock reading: 5h16
